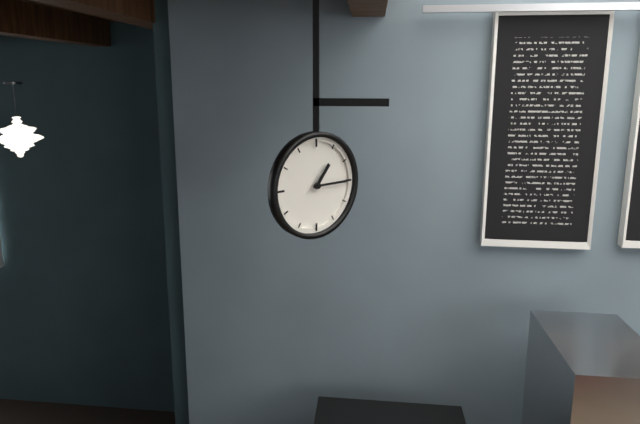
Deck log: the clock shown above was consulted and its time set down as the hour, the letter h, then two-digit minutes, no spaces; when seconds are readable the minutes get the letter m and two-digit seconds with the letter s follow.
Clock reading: 1h15
